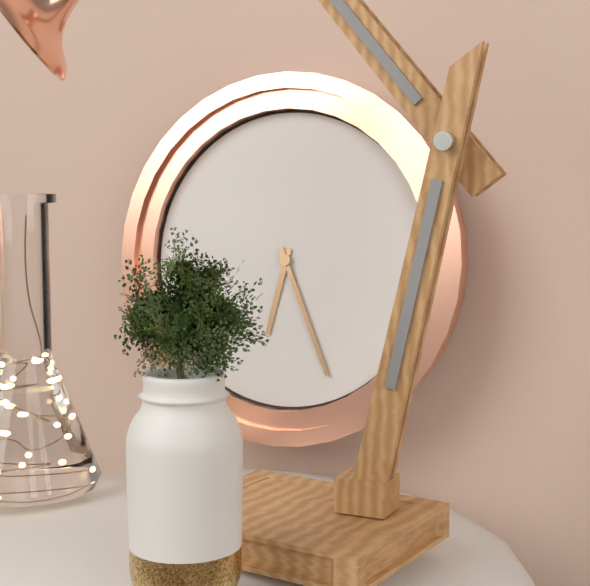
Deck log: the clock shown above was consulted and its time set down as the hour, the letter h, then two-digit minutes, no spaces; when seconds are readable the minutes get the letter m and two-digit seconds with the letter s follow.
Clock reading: 6h26
